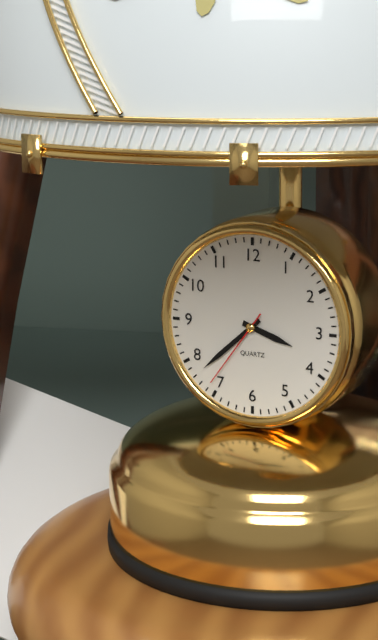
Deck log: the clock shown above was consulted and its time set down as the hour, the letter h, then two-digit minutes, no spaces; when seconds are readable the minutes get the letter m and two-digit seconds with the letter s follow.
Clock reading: 3h38m36s
